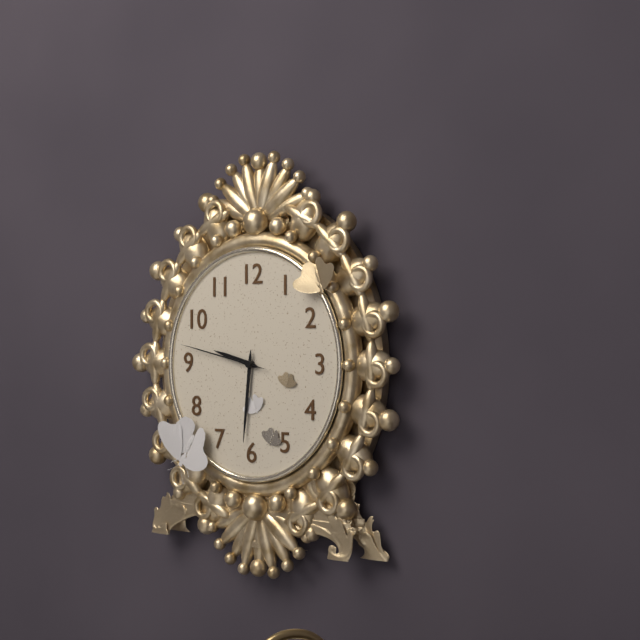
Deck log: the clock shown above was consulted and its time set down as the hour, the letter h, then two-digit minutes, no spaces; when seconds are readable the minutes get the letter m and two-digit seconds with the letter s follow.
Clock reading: 9h31m47s
